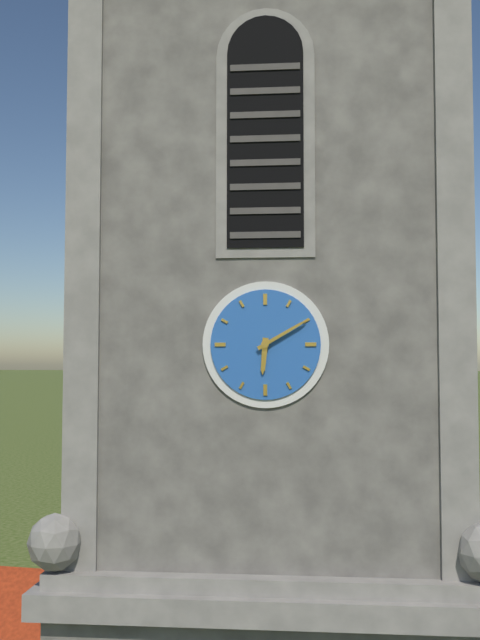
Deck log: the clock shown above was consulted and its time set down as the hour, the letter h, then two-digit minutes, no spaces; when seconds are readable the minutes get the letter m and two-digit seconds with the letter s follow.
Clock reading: 6h10
